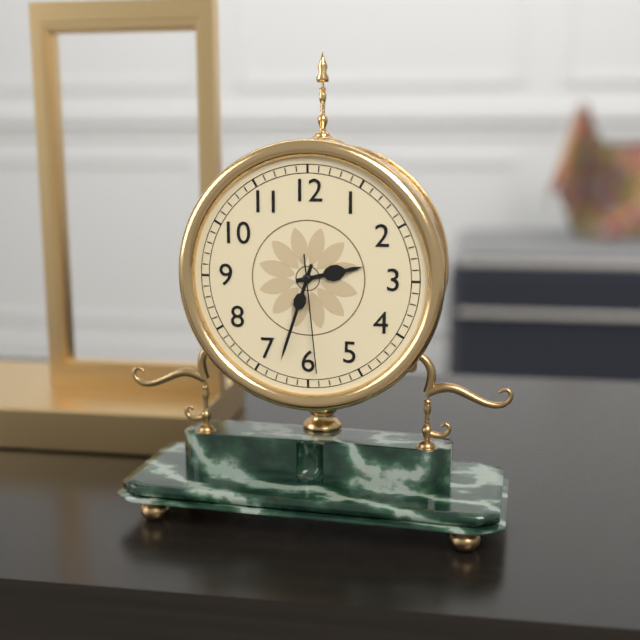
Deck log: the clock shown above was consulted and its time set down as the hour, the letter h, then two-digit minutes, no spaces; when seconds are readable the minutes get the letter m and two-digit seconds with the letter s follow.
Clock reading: 2h33m29s
